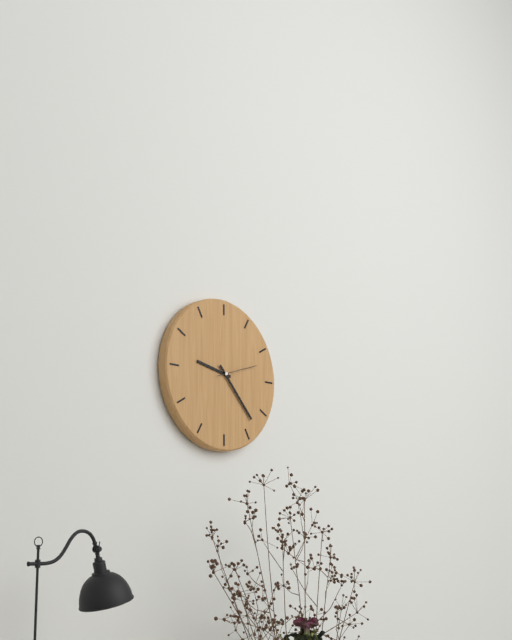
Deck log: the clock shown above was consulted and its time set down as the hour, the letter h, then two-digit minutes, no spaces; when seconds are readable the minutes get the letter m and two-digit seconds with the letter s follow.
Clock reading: 9h23m12s
